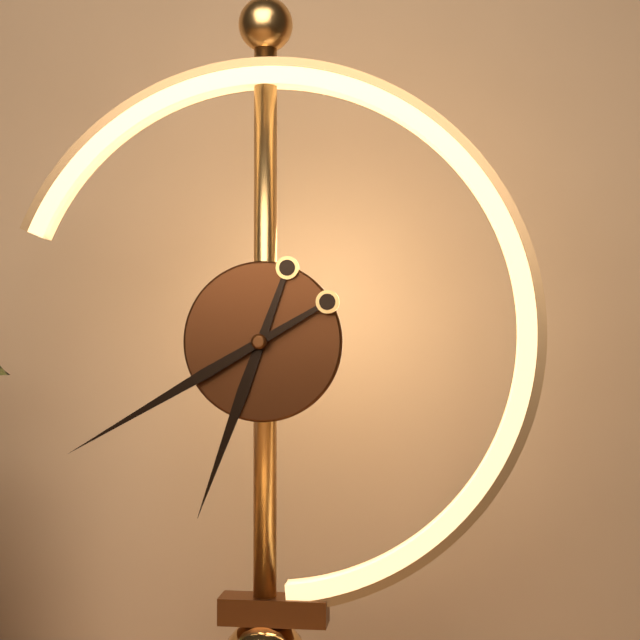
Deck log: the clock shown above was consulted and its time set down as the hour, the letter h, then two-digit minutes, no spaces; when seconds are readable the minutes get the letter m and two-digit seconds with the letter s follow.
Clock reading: 6h40
